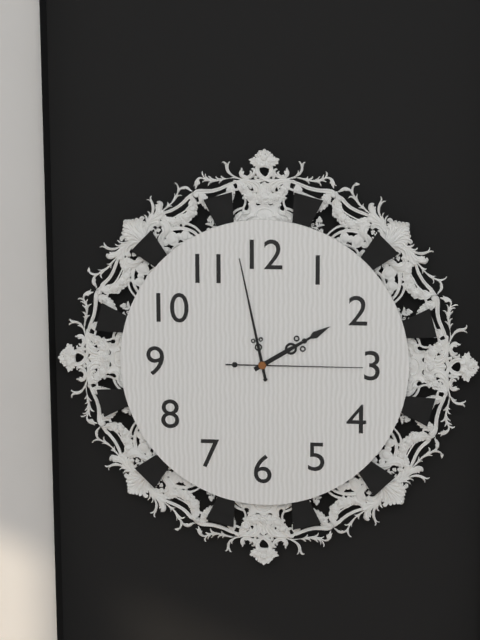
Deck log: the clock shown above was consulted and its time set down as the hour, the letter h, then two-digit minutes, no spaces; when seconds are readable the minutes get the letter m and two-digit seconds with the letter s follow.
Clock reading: 1h58m15s
